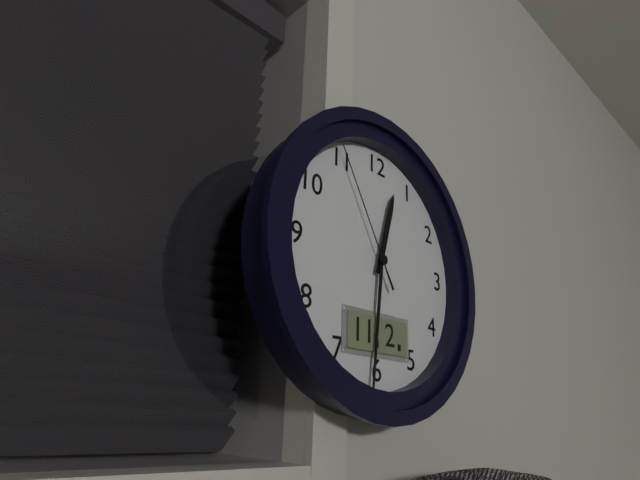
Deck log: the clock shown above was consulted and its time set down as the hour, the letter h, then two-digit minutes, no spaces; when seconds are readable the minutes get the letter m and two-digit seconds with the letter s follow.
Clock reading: 12h31m55s
